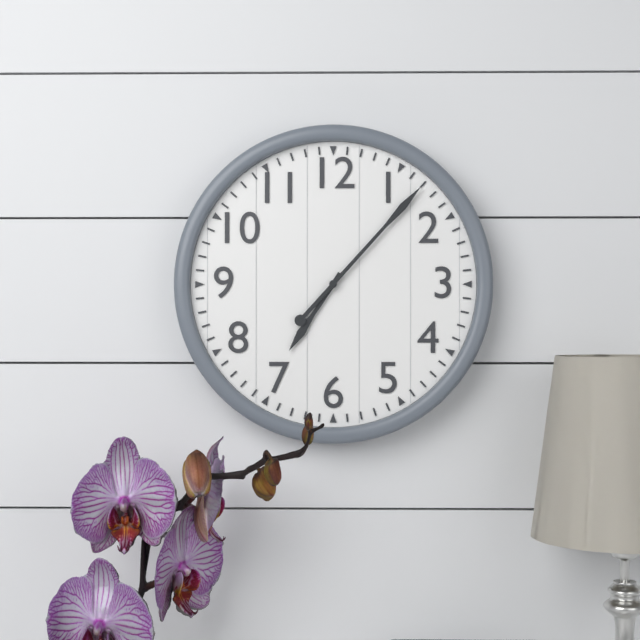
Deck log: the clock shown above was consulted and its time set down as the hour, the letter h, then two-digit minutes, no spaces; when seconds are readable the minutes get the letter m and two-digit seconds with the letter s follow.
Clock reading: 7h07
